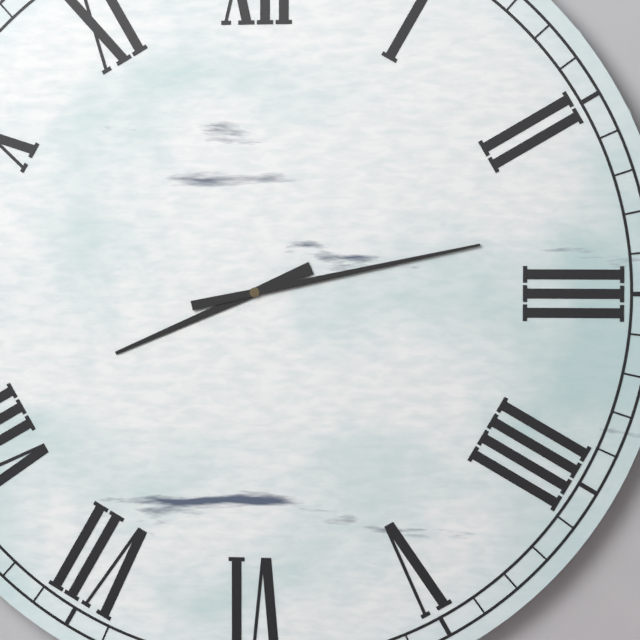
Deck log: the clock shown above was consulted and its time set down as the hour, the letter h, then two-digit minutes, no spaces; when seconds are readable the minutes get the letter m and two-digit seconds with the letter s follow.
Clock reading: 8h13
